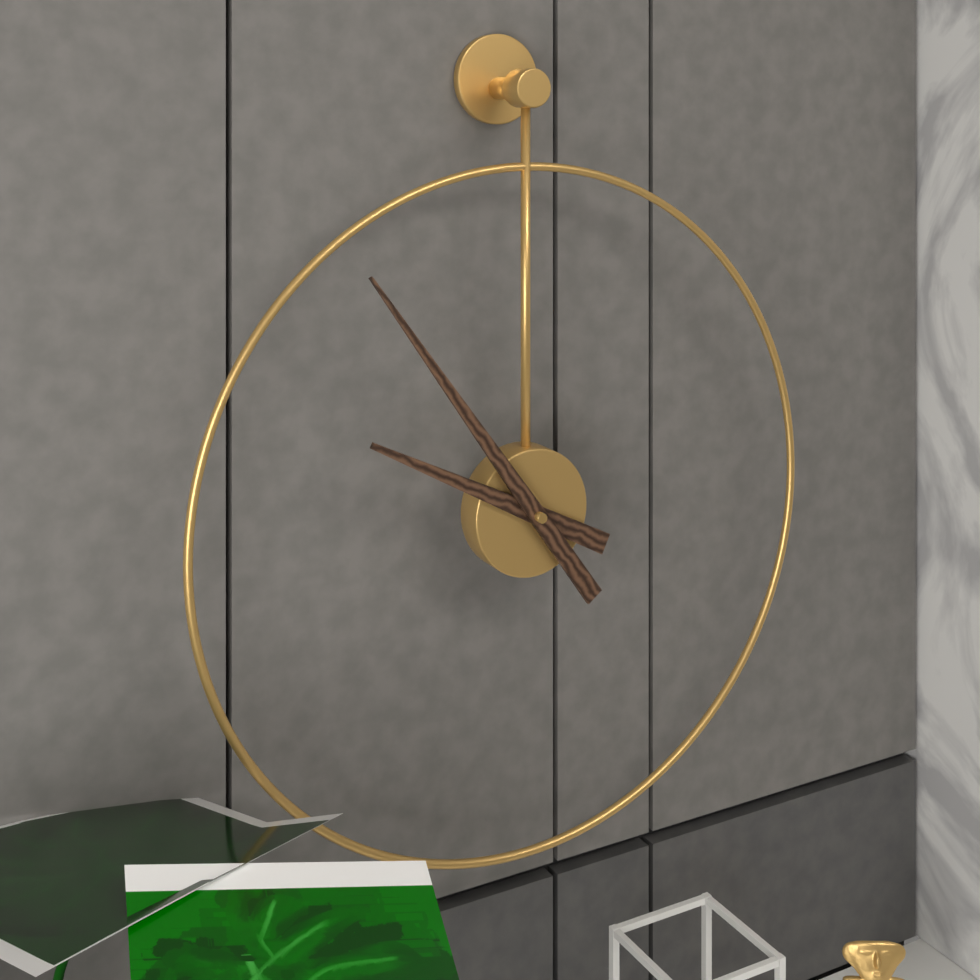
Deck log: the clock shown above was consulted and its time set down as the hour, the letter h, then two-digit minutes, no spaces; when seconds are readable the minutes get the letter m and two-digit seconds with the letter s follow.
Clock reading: 9h54
